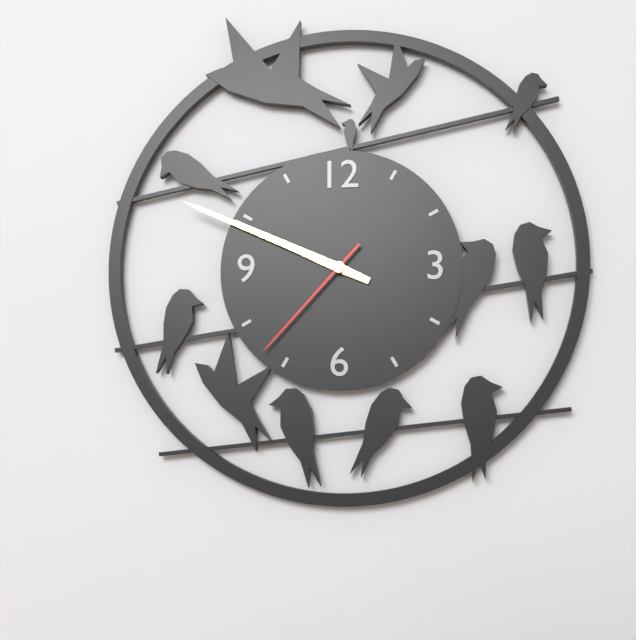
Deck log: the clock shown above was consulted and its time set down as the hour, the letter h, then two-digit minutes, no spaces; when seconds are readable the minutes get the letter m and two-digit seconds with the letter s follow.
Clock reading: 9h49m37s
